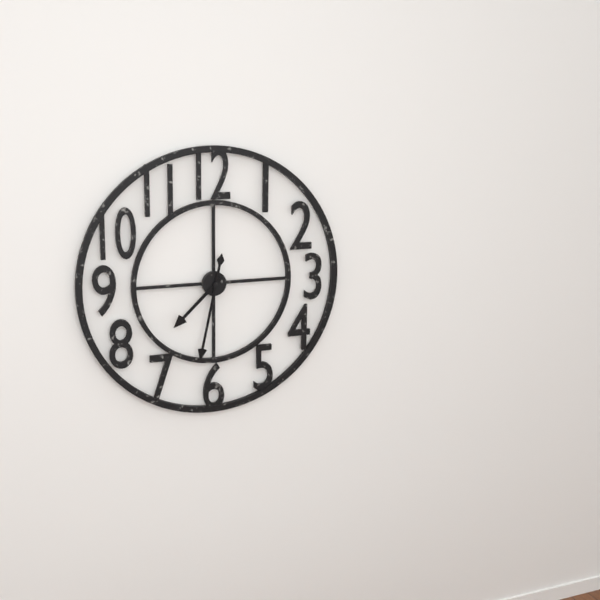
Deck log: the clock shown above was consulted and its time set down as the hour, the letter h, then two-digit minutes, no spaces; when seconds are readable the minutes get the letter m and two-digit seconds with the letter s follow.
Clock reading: 7h32
